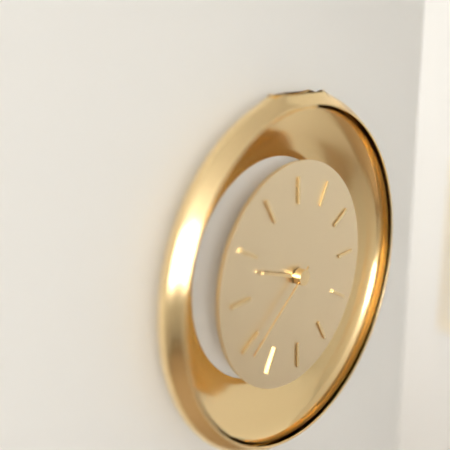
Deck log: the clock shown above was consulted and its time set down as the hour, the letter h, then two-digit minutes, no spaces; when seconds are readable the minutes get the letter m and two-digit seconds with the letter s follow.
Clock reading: 9h39
